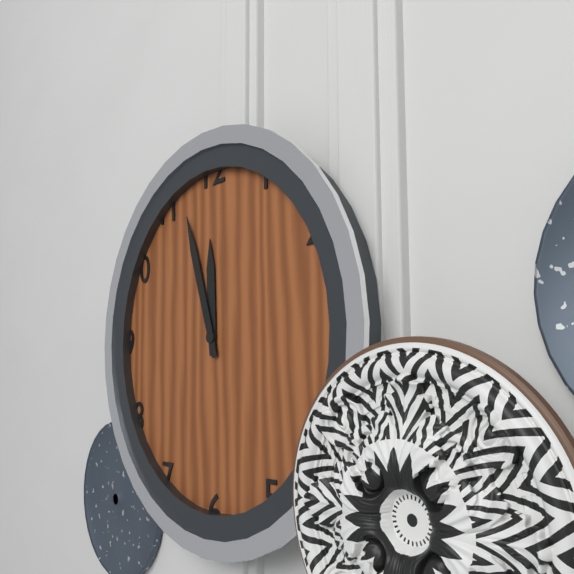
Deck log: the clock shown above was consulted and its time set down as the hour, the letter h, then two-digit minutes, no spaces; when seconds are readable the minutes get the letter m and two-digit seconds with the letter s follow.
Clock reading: 11h57
